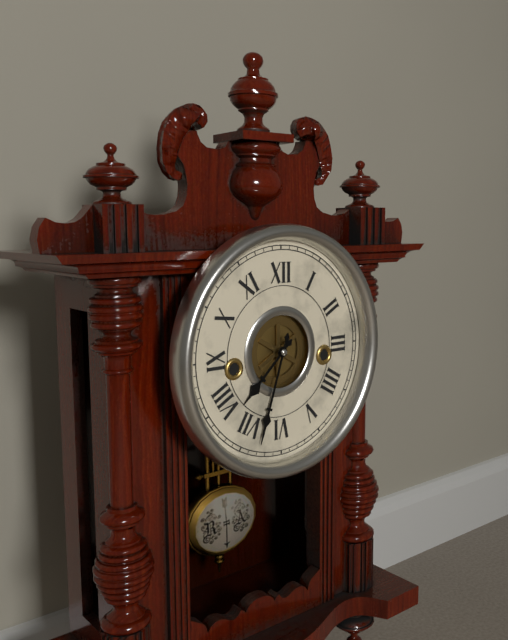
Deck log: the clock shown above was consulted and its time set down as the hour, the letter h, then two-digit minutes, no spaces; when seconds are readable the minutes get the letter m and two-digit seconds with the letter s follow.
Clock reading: 7h33
